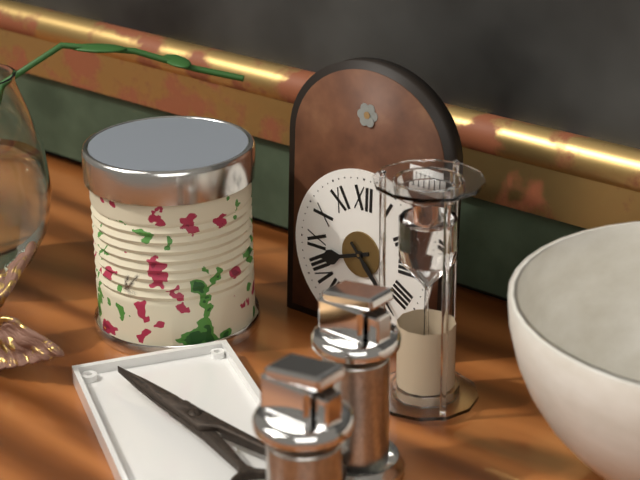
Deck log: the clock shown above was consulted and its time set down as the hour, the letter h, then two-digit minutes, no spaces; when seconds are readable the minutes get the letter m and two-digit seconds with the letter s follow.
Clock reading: 8h23
